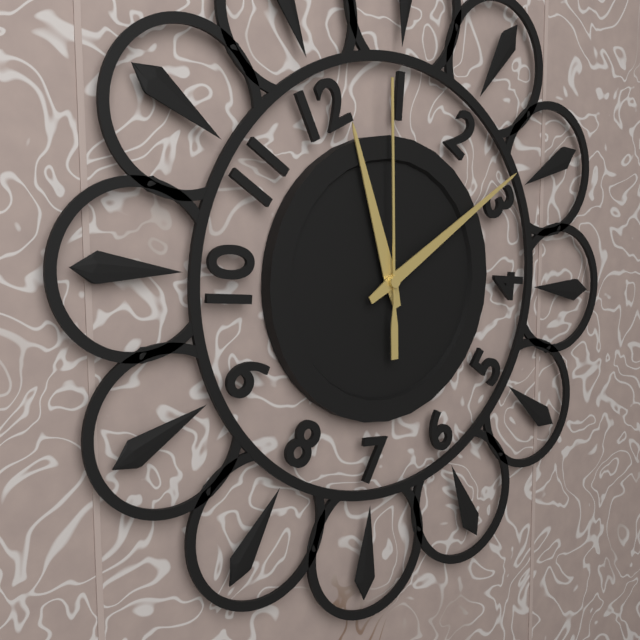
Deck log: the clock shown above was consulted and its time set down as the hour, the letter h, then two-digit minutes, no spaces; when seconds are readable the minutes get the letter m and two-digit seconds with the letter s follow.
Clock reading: 12h14m04s
